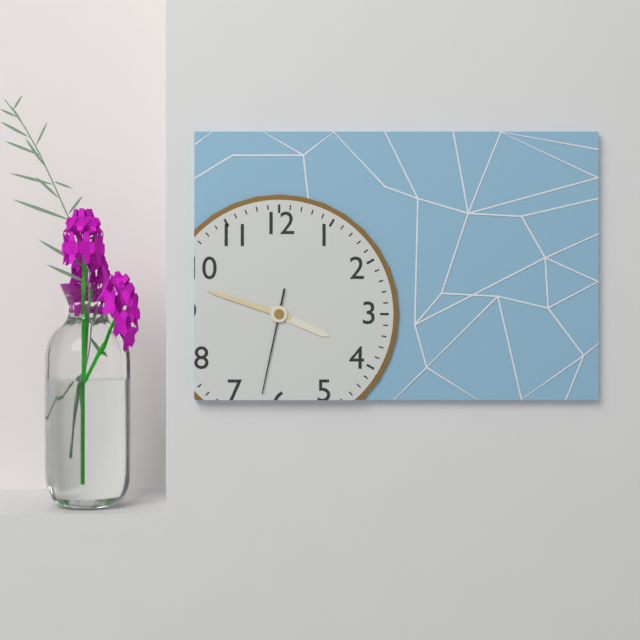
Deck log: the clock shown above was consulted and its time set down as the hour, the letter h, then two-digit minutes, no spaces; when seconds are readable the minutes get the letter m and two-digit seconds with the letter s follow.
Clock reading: 3h48m32s
